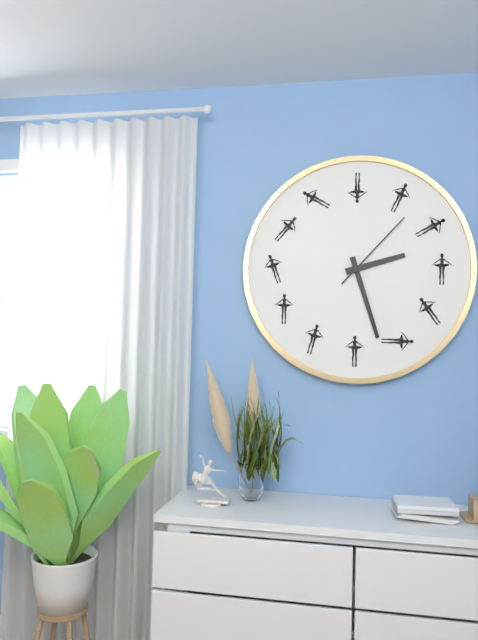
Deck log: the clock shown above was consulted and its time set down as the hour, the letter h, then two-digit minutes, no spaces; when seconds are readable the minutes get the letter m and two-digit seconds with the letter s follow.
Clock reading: 2h27m07s
